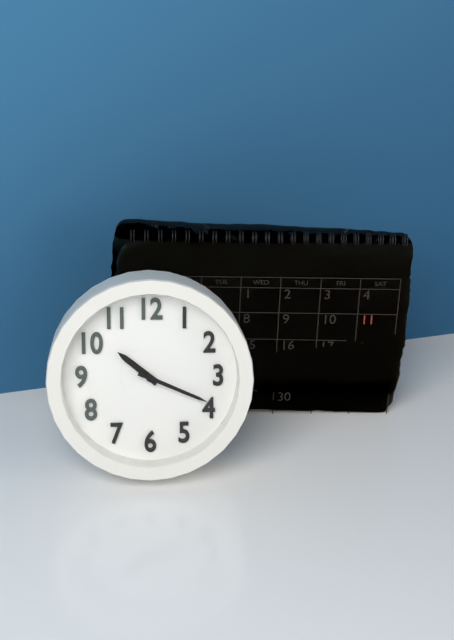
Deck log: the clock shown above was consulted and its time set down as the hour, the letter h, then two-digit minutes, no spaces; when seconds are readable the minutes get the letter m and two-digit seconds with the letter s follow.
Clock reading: 10h19
